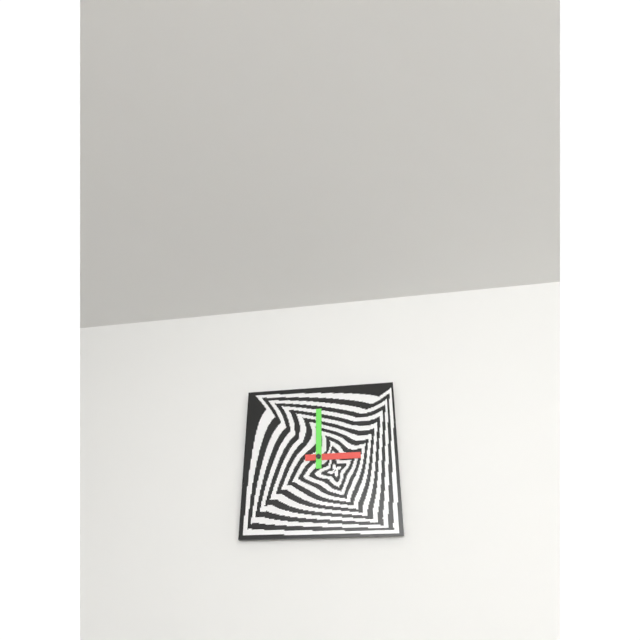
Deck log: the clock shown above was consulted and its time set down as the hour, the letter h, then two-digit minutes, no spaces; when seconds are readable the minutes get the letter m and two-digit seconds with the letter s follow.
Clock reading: 3h00
